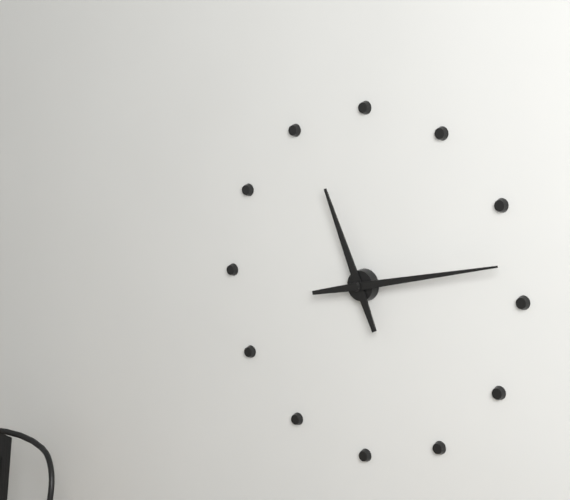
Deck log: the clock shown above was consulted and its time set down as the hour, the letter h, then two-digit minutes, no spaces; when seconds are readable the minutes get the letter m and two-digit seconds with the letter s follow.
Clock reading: 11h13
